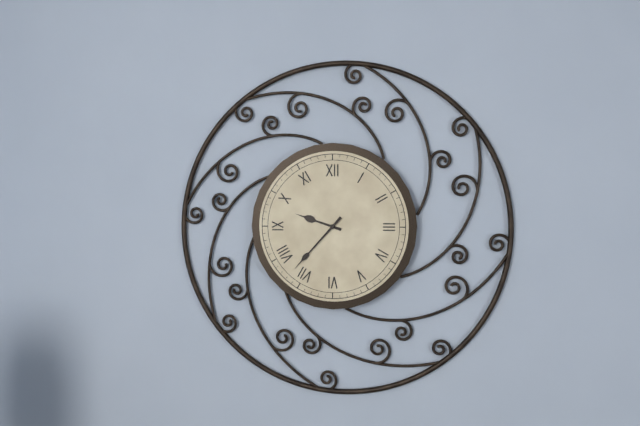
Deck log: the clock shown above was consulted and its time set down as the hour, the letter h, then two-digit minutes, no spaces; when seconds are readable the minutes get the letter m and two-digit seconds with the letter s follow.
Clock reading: 9h37
